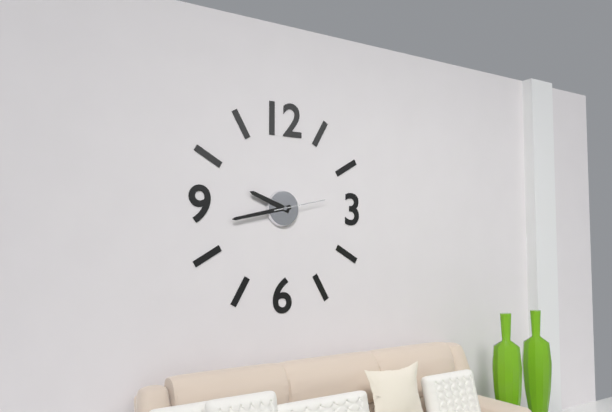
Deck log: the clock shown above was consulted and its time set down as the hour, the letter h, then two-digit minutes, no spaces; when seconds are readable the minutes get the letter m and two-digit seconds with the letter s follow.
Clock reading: 9h43m13s
